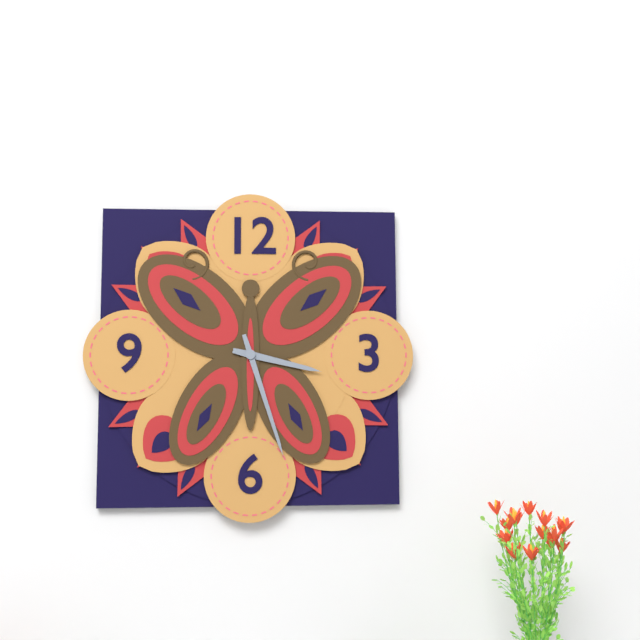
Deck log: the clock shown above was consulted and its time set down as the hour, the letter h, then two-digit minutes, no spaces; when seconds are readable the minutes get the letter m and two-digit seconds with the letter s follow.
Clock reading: 3h27
